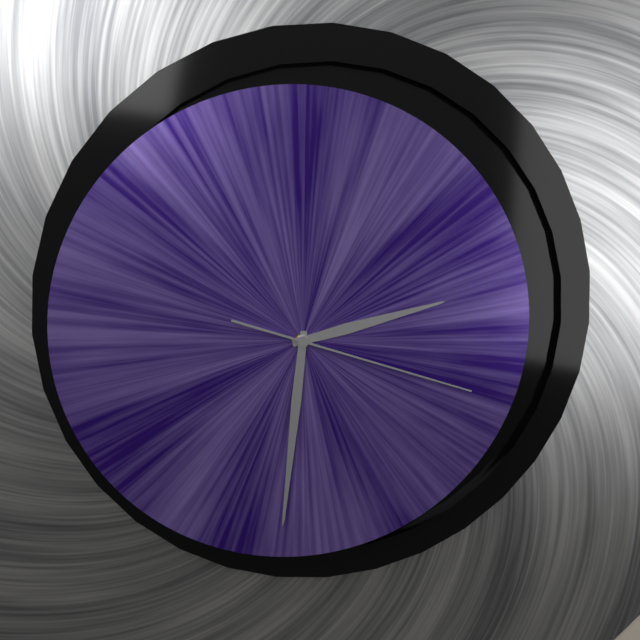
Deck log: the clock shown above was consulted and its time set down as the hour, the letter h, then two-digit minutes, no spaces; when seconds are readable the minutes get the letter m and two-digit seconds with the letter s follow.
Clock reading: 2h31m18s
